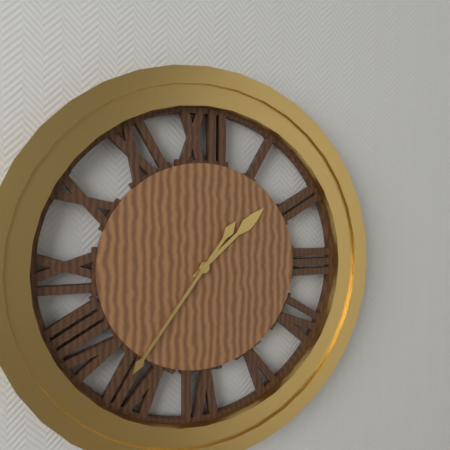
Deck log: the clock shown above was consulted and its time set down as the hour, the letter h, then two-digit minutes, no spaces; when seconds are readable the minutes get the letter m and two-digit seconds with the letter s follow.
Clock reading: 1h36
